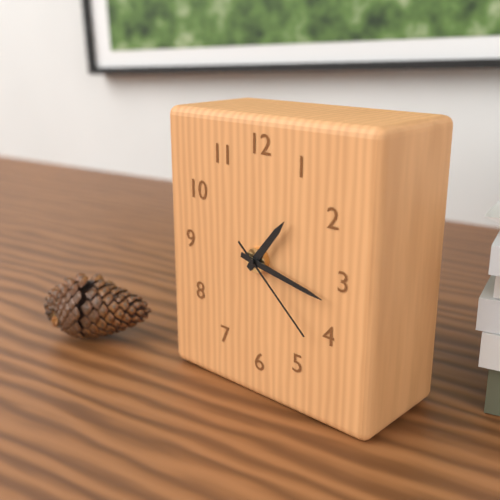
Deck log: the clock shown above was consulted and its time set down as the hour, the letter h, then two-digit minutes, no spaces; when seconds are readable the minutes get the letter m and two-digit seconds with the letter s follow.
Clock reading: 1h17m22s
